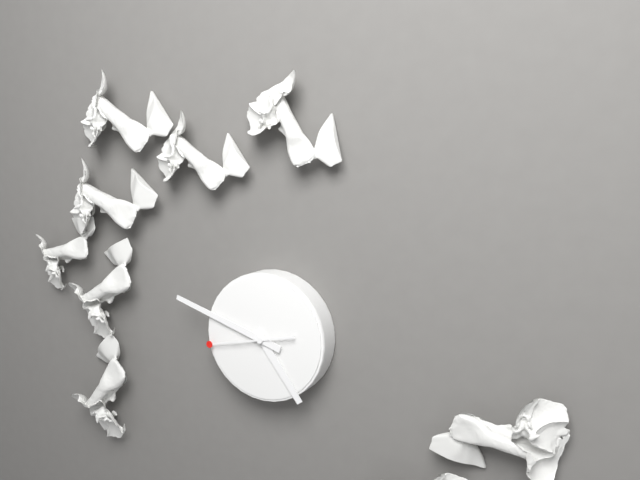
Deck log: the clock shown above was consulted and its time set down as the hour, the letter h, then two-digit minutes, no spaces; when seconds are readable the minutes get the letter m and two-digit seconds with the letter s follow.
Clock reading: 4h48m43s
